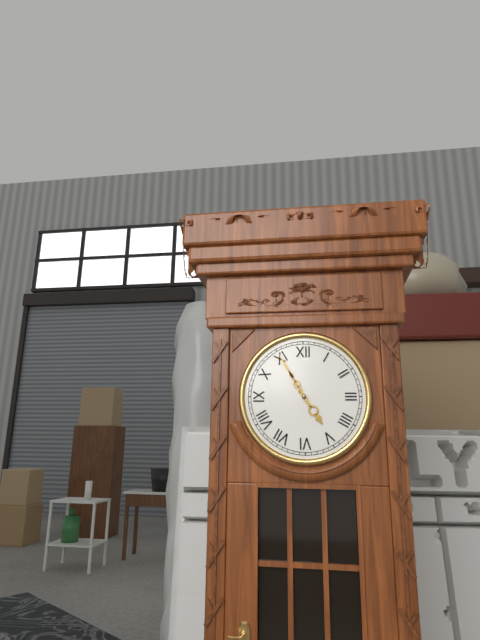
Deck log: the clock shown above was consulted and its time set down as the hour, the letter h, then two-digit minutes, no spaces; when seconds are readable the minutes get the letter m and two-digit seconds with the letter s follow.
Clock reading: 4h55
